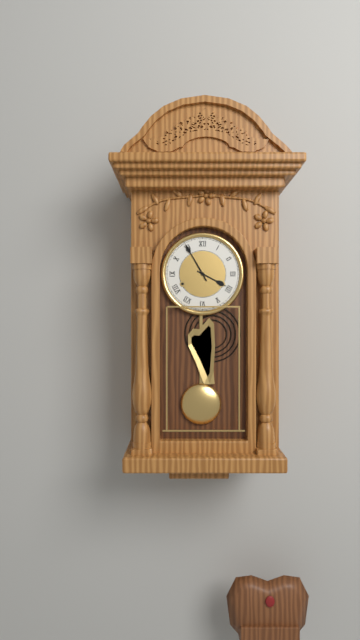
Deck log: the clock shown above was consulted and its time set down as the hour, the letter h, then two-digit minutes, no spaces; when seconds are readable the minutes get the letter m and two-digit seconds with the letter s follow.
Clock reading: 3h55
